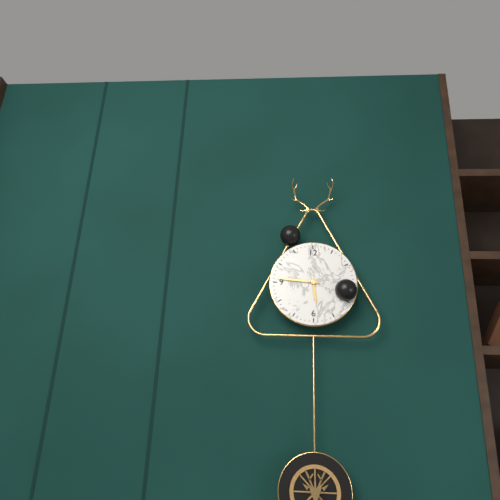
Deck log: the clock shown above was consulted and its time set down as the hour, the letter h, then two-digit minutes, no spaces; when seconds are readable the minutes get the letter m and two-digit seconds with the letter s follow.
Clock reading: 5h46
